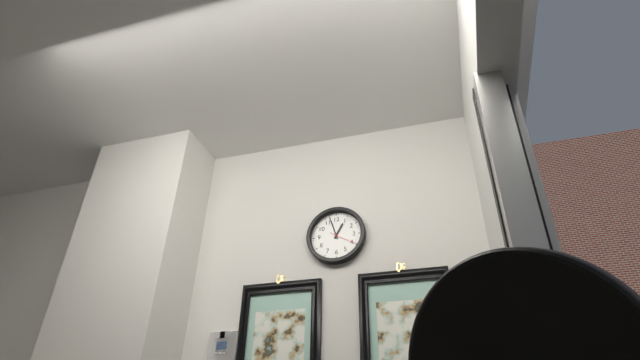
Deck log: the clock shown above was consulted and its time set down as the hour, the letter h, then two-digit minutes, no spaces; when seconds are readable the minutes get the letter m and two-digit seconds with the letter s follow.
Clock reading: 12h57
